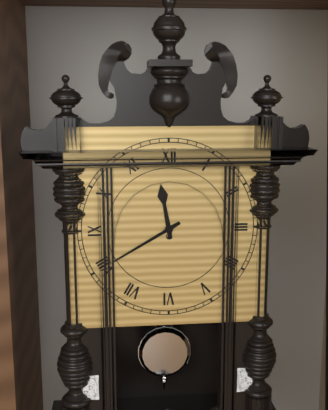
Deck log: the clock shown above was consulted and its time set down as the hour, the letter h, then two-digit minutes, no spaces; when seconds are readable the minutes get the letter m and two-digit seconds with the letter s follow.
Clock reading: 11h40
